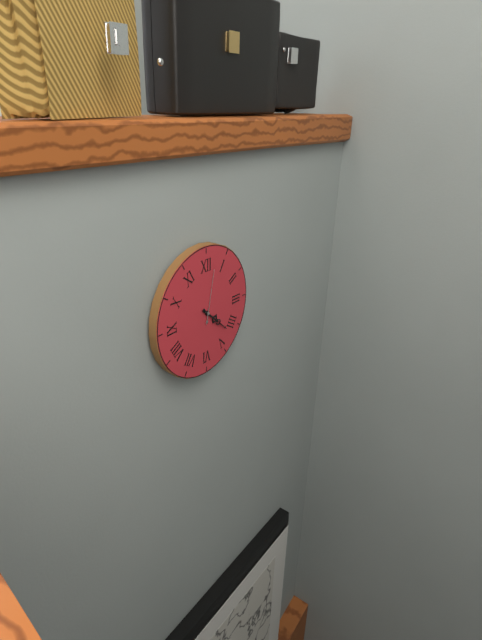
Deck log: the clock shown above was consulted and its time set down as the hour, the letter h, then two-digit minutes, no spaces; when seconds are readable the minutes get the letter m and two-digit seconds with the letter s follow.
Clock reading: 4h22m02s
